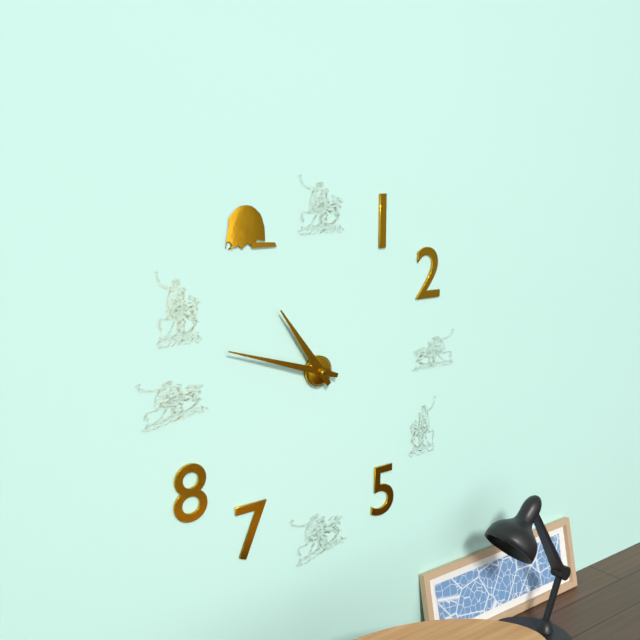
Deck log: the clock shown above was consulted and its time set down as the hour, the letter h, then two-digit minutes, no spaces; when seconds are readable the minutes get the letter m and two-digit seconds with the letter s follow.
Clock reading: 10h48
